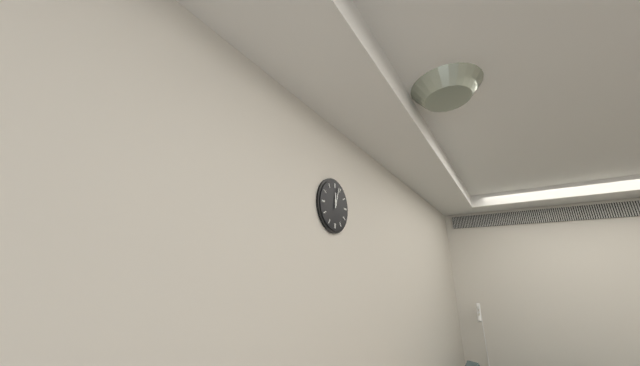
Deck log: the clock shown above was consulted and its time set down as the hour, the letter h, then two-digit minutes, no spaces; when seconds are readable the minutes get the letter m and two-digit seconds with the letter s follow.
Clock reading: 12h03
